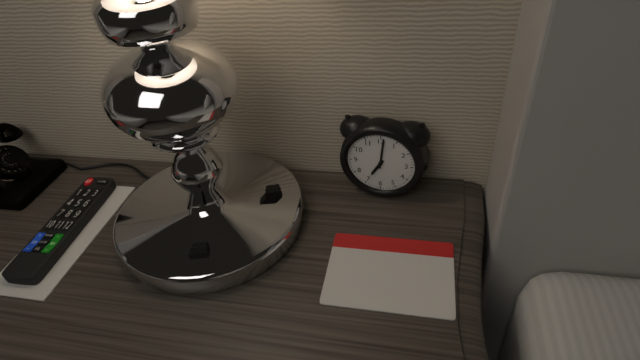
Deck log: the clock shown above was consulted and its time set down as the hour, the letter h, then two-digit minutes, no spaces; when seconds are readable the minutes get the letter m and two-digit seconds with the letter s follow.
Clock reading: 7h01
